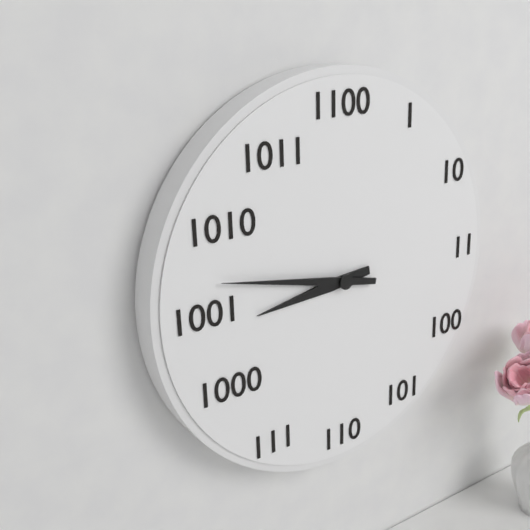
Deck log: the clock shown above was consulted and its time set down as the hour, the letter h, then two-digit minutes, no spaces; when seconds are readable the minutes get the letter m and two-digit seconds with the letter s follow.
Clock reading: 8h47
